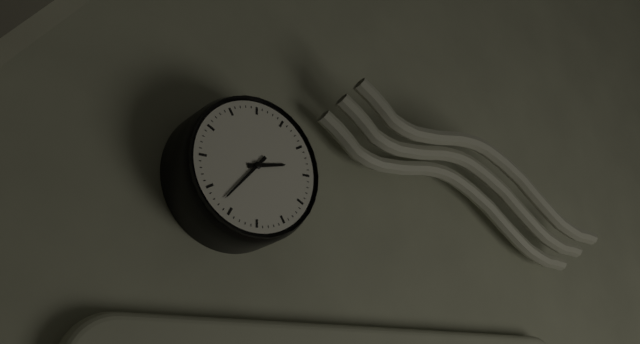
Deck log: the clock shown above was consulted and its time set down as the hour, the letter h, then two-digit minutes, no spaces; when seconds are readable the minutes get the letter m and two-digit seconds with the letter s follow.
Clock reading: 2h37
